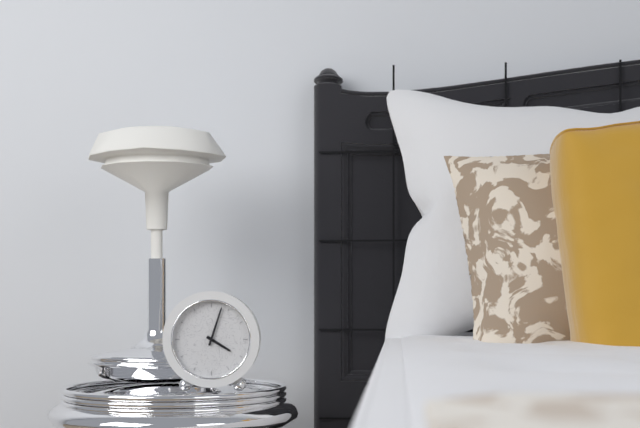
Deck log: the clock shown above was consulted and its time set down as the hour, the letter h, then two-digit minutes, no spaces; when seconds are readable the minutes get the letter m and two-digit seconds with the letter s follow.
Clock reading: 4h03
